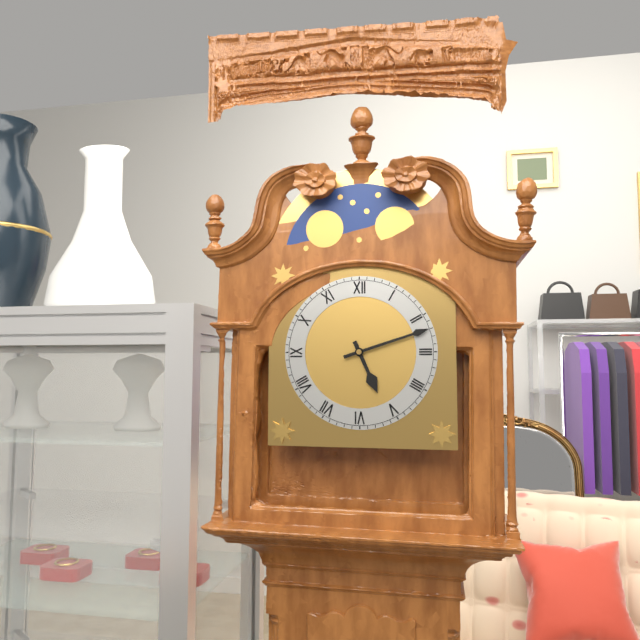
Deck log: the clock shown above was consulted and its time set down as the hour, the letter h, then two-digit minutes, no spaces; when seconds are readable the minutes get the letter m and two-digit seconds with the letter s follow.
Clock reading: 5h12
